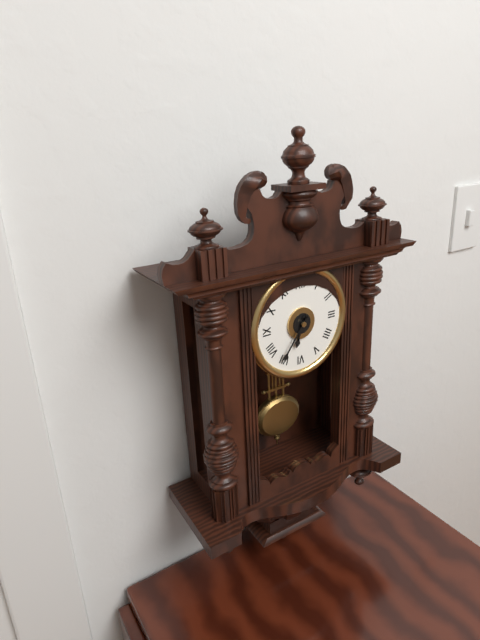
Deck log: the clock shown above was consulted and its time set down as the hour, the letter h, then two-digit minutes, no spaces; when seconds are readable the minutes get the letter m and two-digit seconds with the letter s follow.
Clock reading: 6h36
